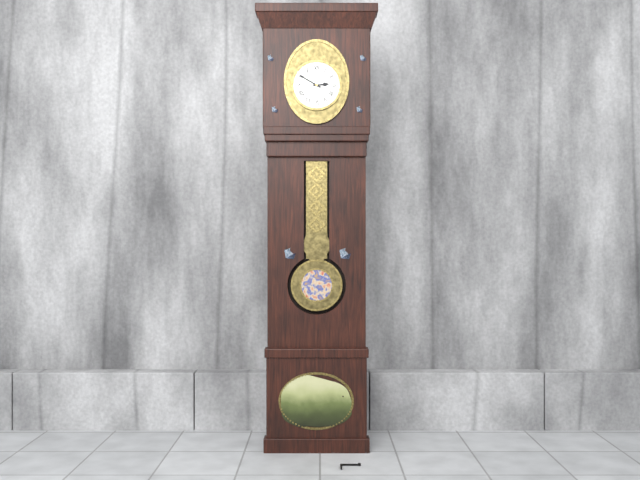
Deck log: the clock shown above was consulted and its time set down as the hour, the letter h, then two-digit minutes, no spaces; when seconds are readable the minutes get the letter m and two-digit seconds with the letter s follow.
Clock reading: 2h50
